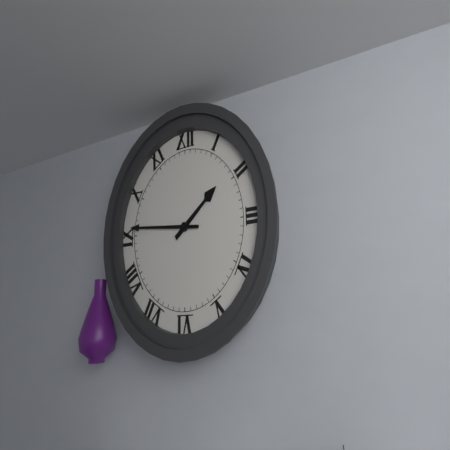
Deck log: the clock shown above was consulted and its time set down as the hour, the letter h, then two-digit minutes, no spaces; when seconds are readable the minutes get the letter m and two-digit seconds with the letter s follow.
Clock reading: 1h46
